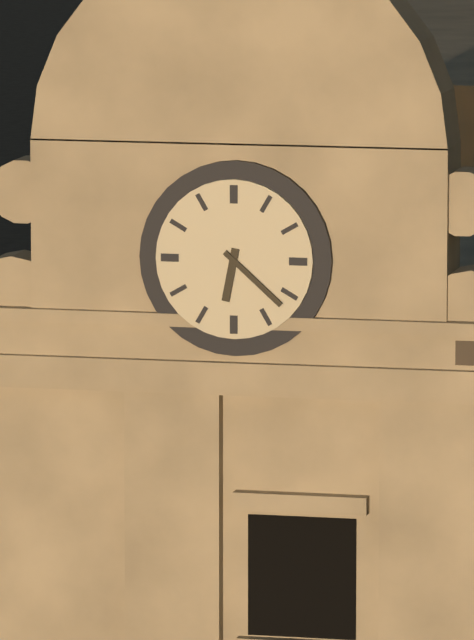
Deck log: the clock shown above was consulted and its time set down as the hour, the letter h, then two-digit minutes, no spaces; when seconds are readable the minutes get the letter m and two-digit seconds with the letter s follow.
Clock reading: 6h22
